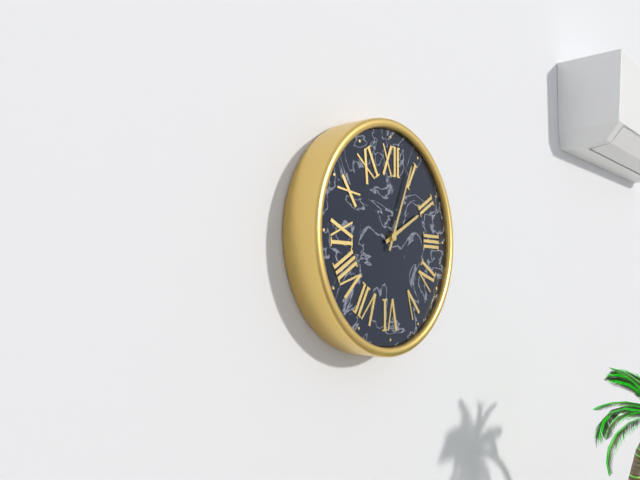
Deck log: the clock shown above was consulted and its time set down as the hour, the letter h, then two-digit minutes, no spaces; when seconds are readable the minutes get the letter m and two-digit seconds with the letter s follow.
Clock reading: 2h04
